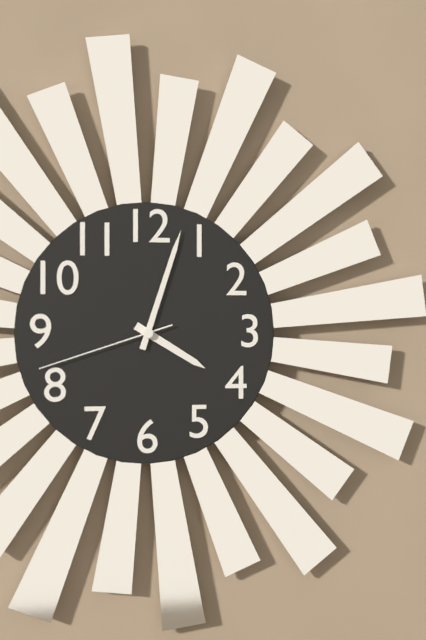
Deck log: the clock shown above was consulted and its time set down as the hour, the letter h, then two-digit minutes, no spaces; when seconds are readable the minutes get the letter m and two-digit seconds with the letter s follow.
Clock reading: 4h03m42s
